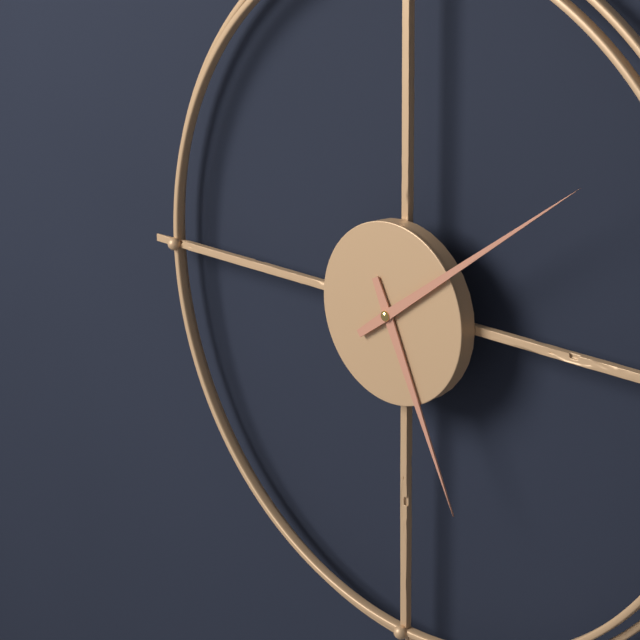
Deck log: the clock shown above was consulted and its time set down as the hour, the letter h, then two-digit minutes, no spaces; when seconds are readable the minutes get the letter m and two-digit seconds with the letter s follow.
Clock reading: 5h09
